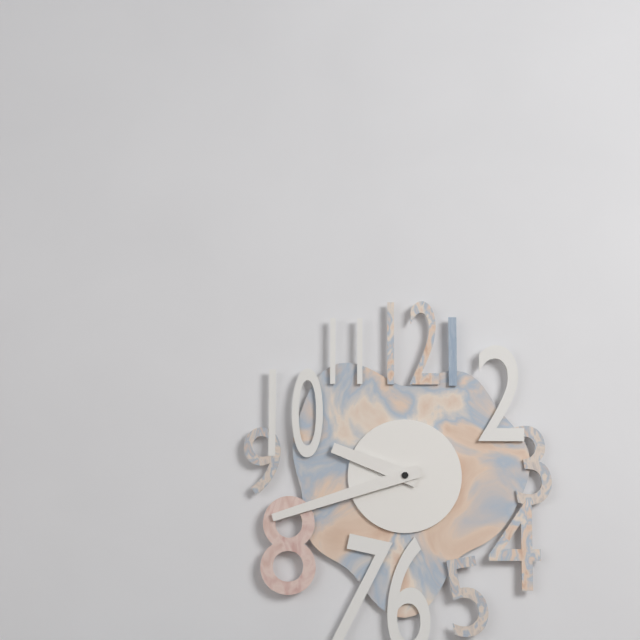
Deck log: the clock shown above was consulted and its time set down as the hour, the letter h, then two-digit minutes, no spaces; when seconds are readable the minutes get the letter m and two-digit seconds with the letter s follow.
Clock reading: 9h42
